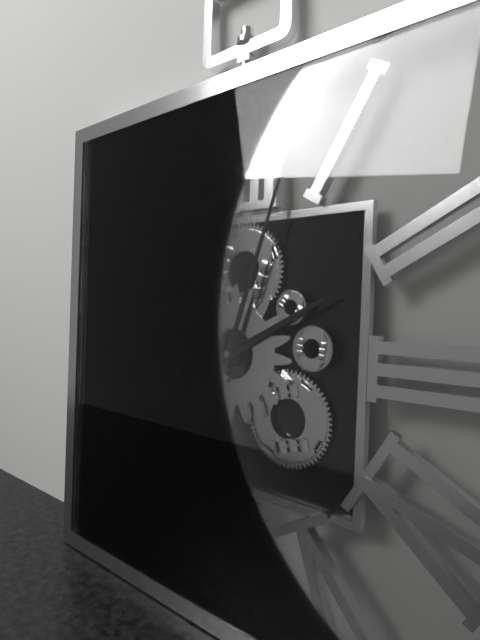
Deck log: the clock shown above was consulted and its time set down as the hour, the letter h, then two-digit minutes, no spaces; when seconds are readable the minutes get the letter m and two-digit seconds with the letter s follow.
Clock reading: 2h03
